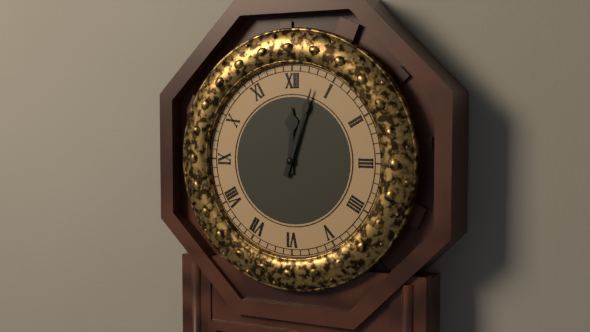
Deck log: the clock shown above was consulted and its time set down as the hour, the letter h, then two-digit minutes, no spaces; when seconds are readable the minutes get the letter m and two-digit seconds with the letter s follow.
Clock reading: 12h03
